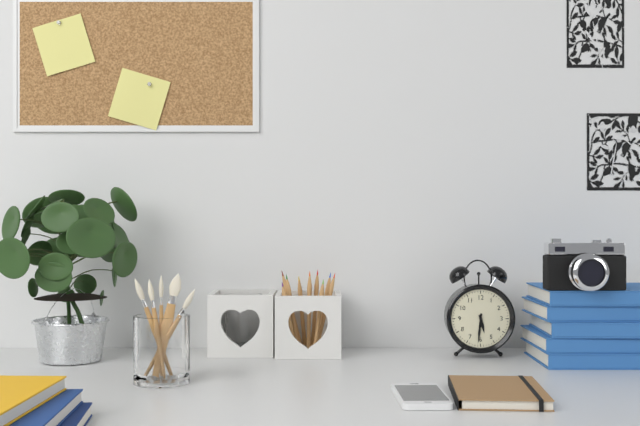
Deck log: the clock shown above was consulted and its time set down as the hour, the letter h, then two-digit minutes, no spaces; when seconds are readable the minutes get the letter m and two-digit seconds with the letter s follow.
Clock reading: 5h31
